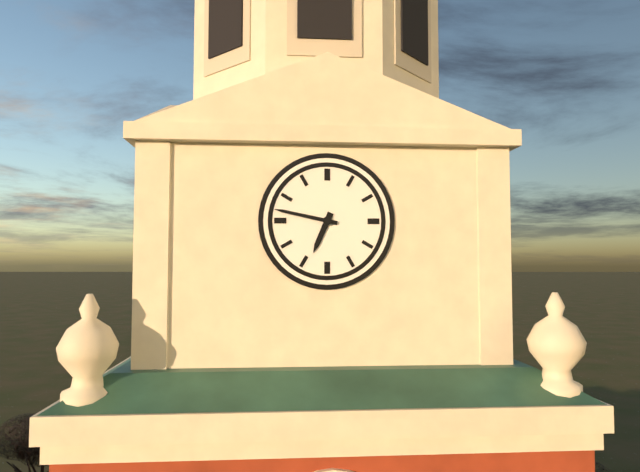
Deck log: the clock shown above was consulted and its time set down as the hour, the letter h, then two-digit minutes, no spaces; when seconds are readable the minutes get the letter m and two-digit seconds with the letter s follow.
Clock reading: 6h47
